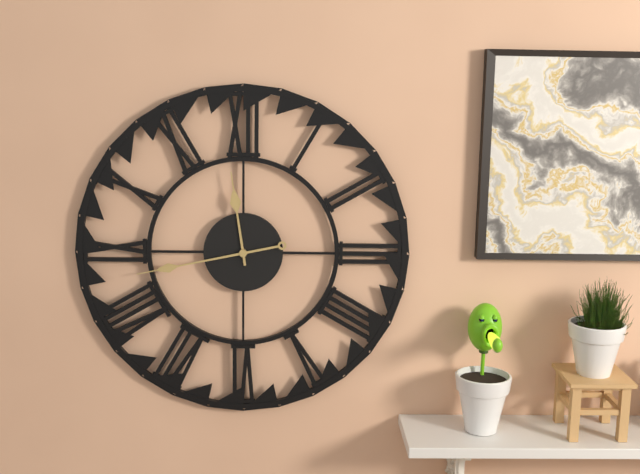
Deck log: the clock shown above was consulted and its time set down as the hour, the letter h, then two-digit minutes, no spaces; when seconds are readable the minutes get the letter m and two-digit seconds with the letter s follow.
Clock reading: 11h43
